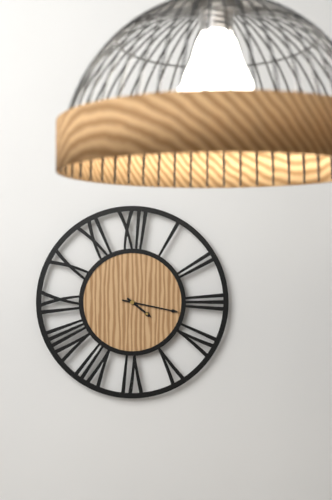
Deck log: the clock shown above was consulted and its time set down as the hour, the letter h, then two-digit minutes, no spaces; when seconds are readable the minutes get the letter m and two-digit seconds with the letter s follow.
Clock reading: 4h17
